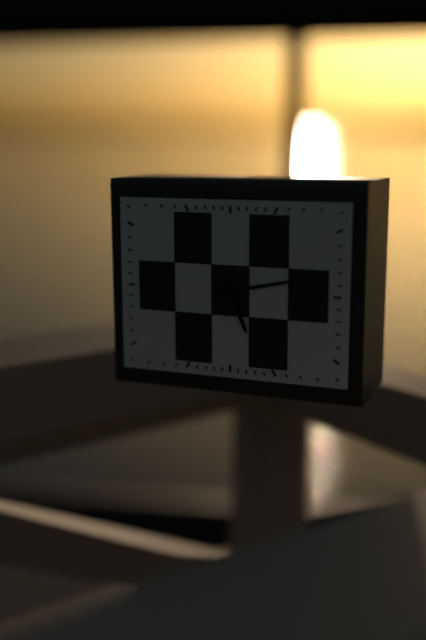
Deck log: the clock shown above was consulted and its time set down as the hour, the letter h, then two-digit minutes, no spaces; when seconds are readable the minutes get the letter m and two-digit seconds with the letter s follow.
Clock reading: 5h13
